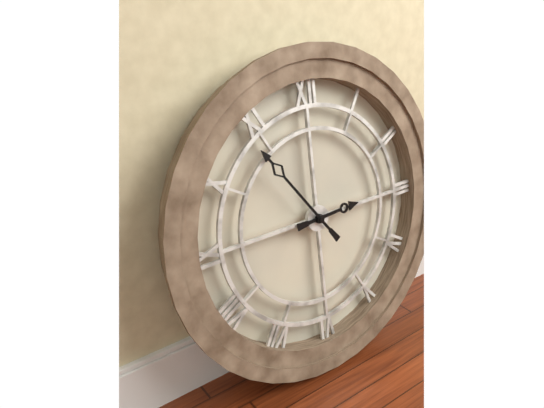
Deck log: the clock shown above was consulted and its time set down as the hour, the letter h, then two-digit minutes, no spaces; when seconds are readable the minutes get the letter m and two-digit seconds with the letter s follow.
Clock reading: 2h54
